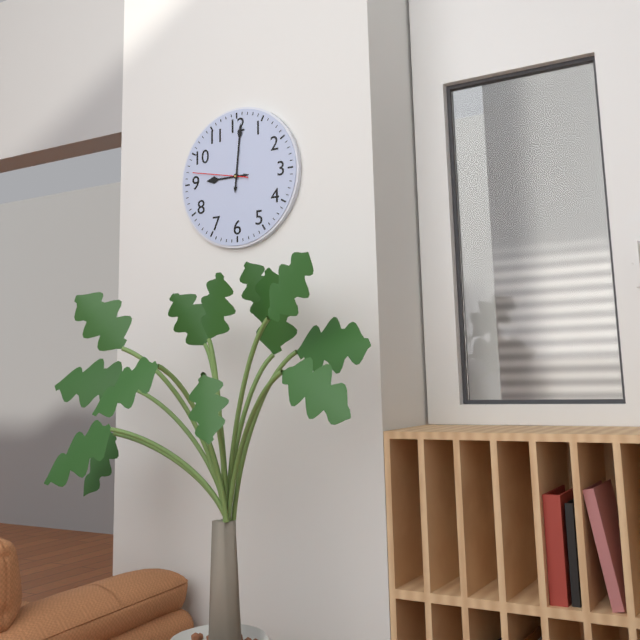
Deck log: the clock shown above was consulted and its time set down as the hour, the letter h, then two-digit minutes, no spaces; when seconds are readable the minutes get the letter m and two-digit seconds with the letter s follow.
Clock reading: 9h01m47s
